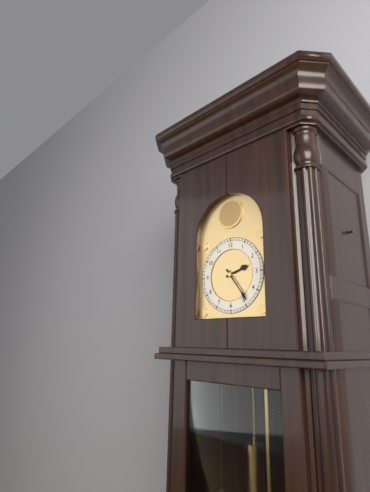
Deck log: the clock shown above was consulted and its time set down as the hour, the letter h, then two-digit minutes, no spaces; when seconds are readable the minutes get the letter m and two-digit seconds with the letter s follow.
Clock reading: 2h24
